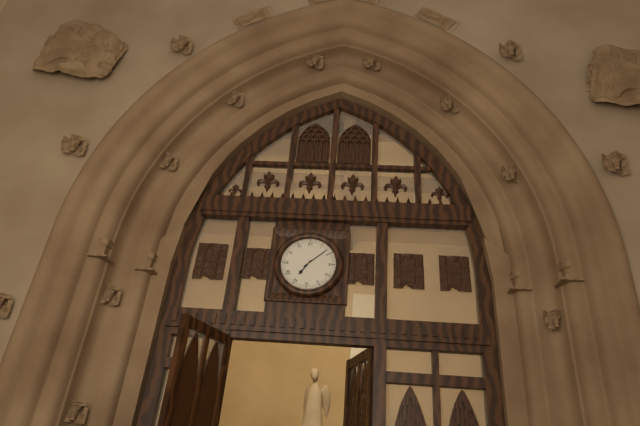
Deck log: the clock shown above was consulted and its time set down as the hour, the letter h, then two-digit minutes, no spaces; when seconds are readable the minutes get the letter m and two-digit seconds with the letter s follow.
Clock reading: 7h08
